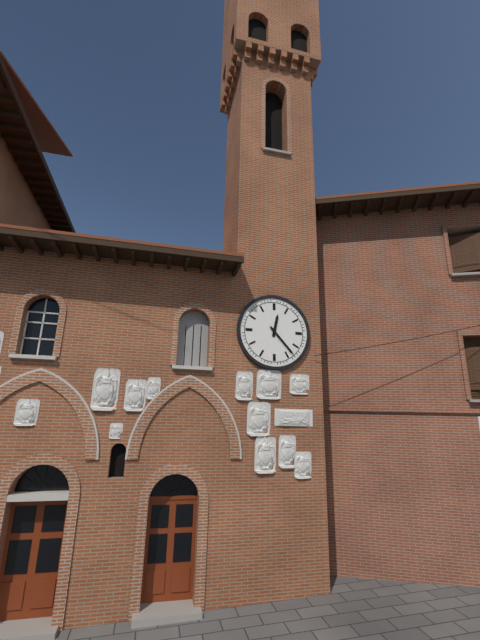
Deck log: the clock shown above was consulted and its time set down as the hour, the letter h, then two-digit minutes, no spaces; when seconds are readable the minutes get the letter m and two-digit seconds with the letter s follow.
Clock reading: 12h23
